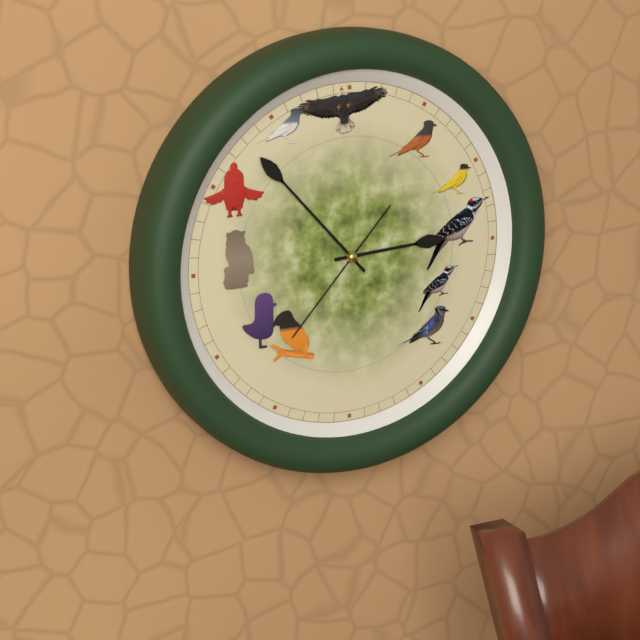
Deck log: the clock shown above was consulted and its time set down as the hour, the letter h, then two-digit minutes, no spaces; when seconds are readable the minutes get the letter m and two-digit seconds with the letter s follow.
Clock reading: 2h53m37s
